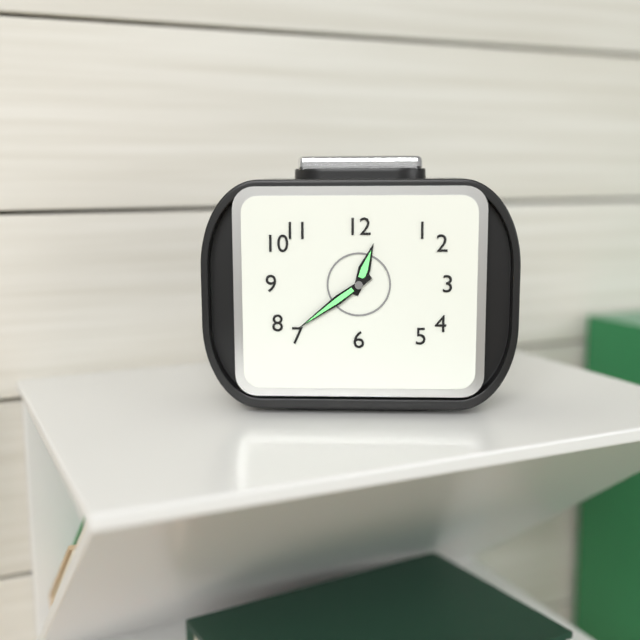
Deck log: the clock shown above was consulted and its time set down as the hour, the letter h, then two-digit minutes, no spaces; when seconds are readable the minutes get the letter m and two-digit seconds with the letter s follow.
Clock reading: 12h39
